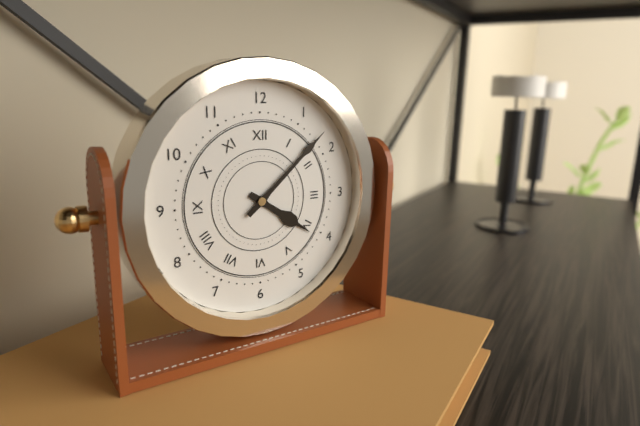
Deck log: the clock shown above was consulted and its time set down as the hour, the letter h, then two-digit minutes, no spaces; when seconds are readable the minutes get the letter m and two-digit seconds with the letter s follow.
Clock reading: 4h08
